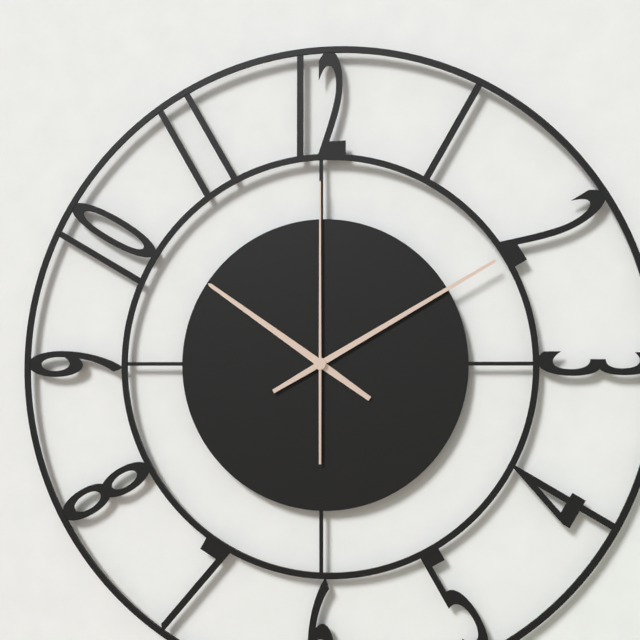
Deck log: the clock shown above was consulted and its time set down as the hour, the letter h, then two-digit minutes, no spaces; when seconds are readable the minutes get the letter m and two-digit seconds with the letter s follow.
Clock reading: 10h10m00s
